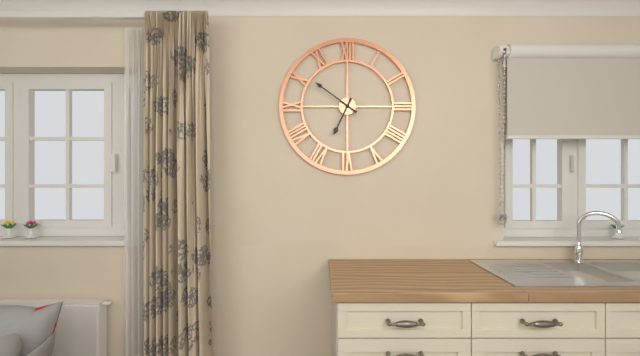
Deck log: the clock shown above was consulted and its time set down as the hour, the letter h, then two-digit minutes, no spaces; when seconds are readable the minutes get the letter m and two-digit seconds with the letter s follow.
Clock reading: 6h51
